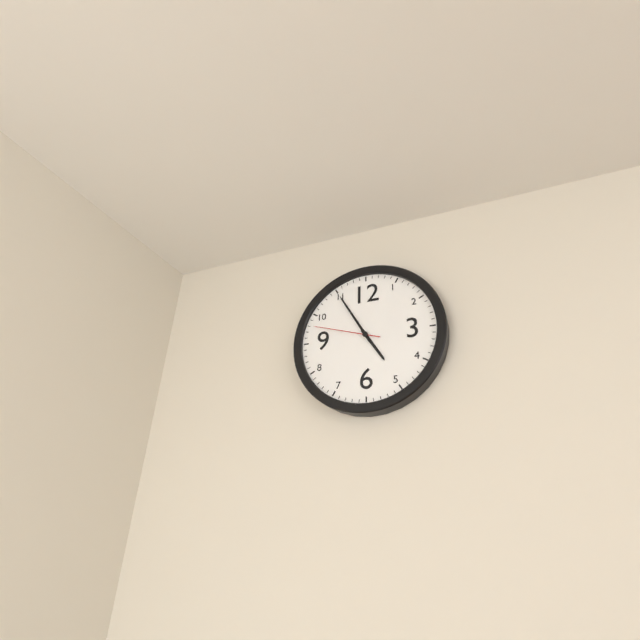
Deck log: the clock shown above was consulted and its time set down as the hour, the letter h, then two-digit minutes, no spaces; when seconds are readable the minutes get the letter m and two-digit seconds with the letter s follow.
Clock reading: 4h55m48s
